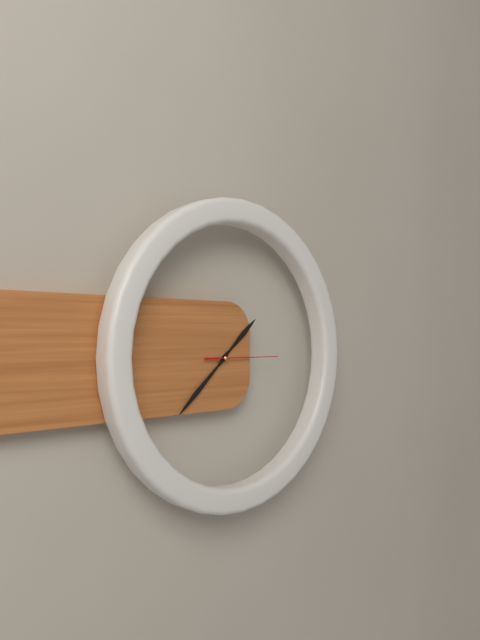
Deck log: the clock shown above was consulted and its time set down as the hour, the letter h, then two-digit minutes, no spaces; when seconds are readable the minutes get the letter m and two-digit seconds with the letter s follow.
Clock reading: 1h38m15s
